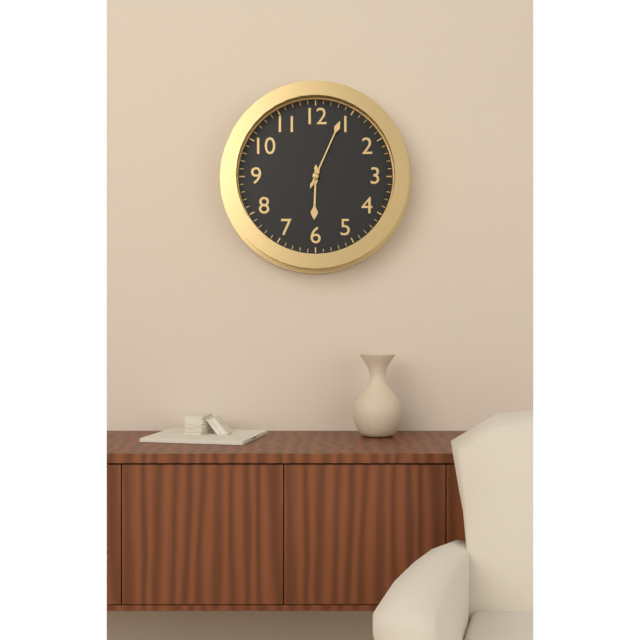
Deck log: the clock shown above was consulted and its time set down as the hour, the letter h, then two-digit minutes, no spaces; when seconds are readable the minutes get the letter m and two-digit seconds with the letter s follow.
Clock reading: 6h04
